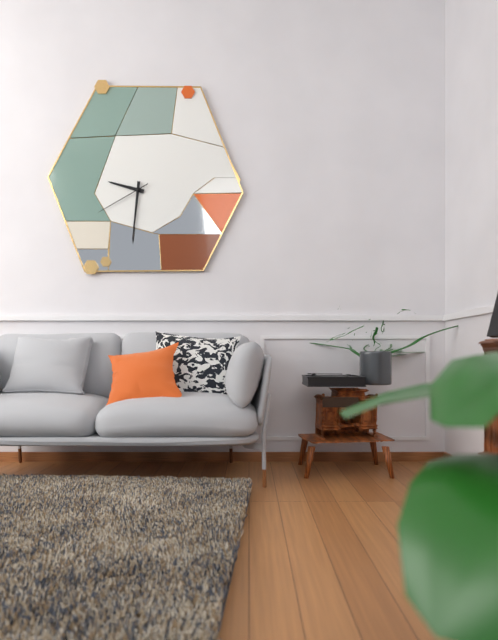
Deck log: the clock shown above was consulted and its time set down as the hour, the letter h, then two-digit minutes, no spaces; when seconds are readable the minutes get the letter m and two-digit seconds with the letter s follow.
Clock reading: 9h31m40s
